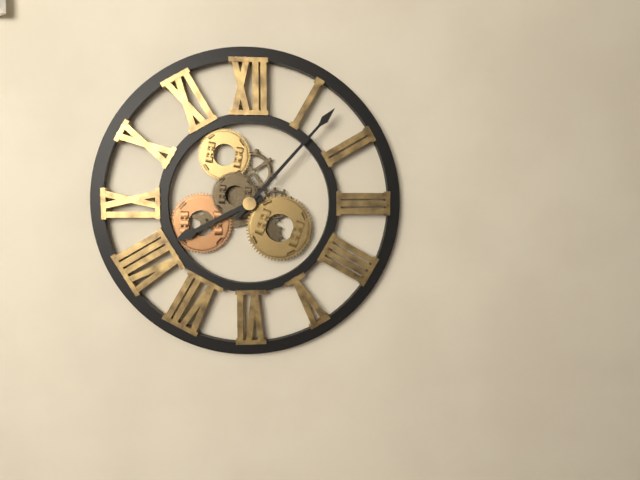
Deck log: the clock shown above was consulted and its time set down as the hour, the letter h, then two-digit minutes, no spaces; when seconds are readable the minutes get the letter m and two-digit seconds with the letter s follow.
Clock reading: 8h07
